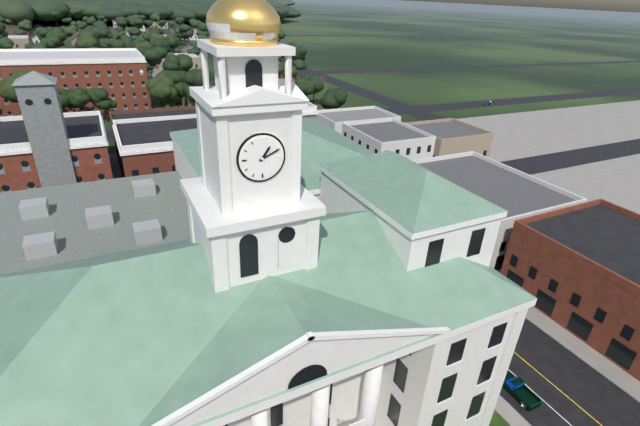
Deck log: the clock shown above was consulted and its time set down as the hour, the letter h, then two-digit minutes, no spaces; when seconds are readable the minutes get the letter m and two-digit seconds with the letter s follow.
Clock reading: 1h11
